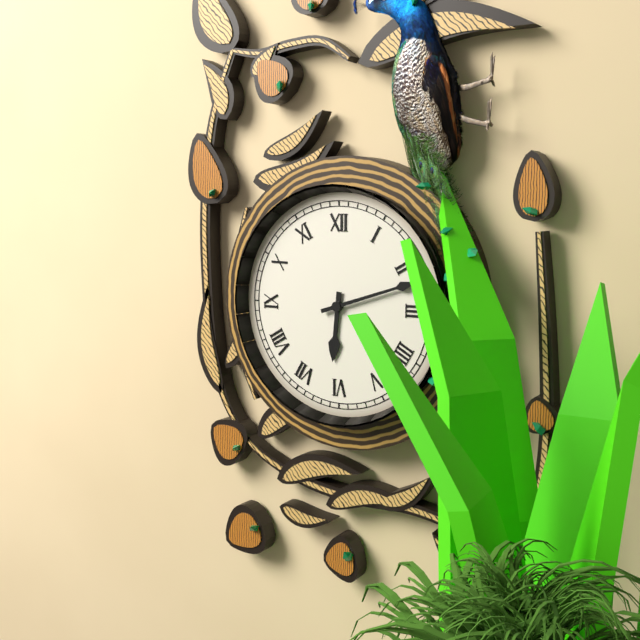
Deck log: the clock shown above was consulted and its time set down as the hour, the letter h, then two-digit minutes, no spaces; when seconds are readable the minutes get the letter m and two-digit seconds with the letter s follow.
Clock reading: 6h12
